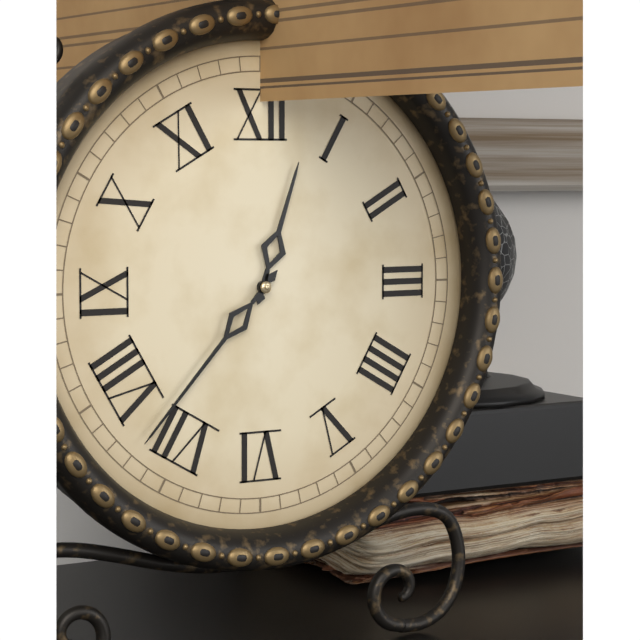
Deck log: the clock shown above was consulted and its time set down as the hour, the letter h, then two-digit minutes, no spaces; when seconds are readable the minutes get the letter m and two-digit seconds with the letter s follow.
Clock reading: 12h37
